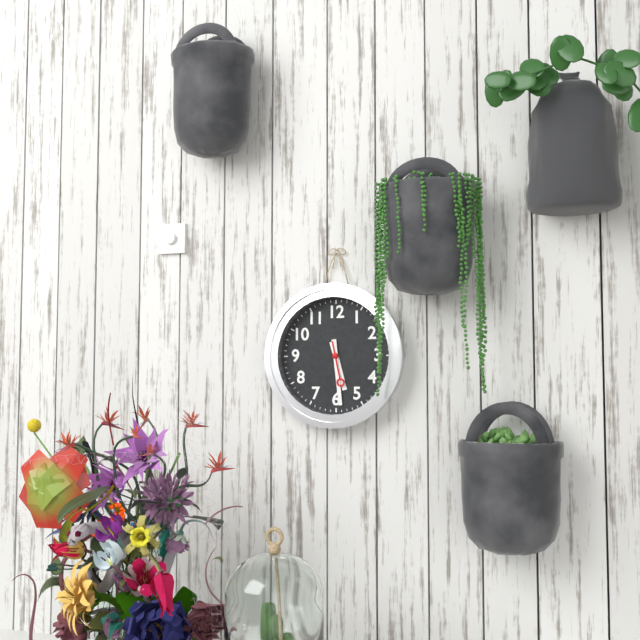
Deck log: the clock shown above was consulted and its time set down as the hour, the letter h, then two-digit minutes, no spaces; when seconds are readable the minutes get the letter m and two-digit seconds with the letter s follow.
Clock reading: 5h29
